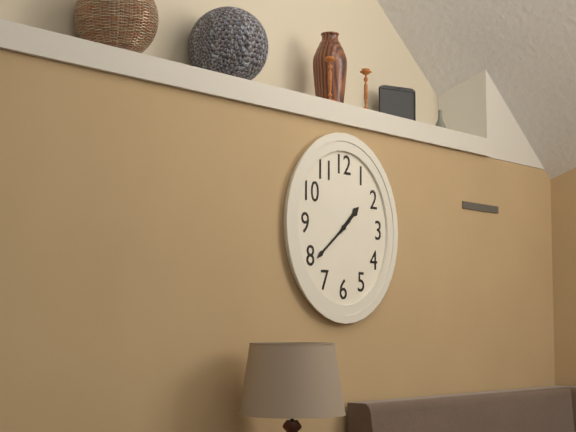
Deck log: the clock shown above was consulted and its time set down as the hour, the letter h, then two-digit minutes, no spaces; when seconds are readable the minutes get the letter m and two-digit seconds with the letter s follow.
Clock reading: 1h39
